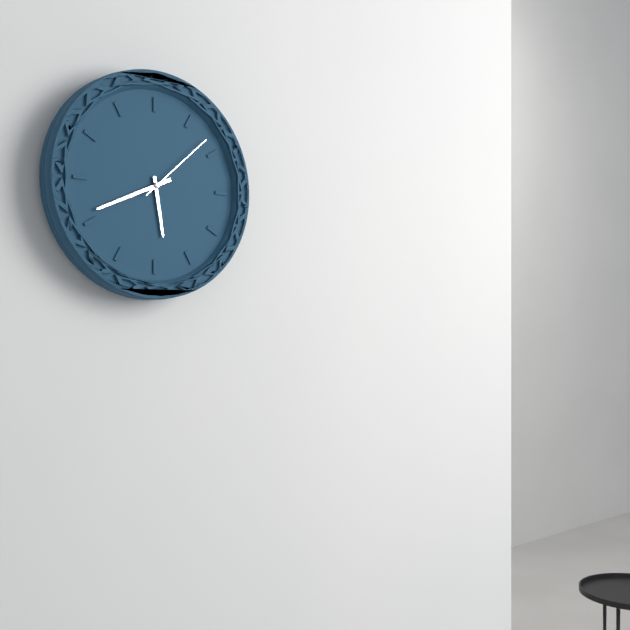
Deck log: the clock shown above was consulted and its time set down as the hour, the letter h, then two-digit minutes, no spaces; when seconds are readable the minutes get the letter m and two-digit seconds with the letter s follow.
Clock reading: 5h41m08s
